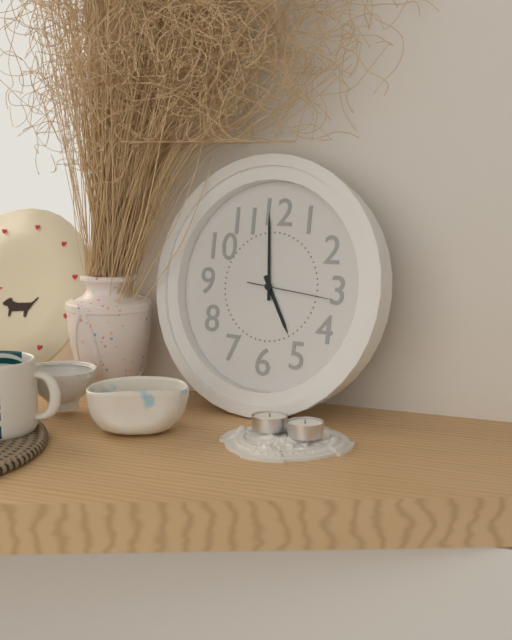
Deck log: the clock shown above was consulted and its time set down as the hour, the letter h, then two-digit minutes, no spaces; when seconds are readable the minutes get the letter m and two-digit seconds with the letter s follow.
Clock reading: 4h59m16s
